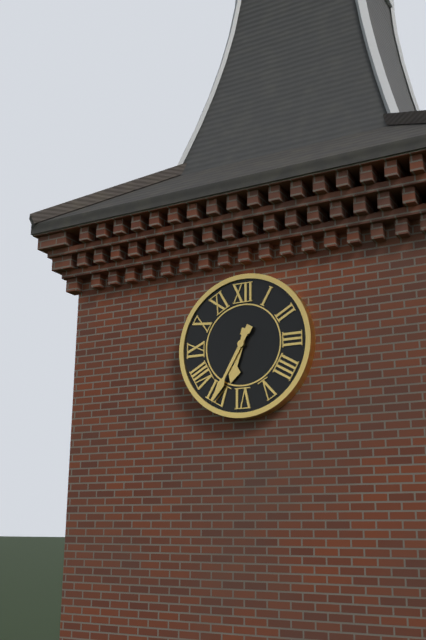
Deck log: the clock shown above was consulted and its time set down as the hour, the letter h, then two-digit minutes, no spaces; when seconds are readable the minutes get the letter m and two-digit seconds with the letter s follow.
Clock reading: 6h35
